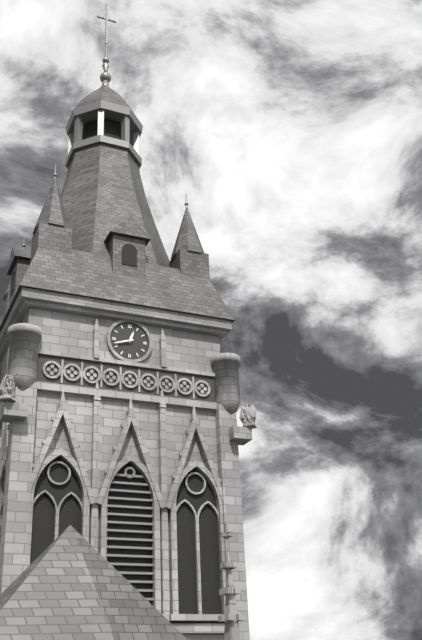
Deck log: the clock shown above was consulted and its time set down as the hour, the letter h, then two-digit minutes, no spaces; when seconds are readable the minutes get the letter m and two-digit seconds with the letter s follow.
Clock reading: 12h42
